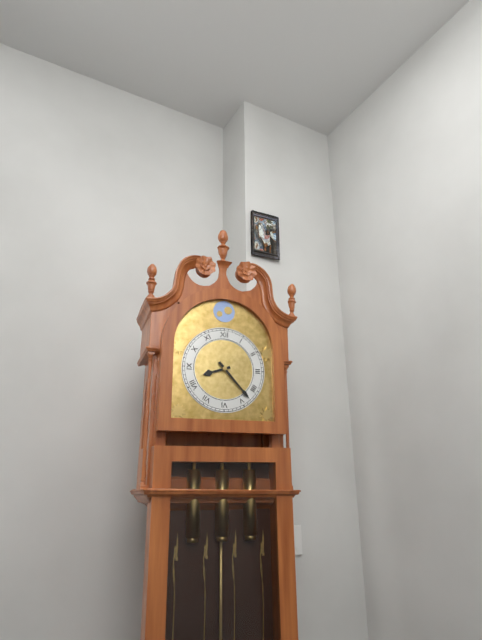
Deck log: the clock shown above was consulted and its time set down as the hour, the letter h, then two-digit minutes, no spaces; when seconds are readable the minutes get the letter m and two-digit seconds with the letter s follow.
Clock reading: 8h23
